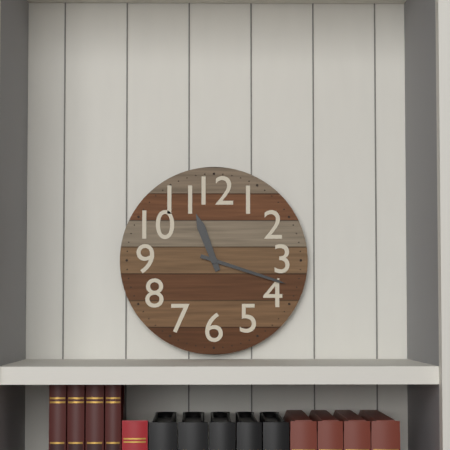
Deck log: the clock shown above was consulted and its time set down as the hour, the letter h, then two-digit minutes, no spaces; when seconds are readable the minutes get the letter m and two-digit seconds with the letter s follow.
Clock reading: 11h18
